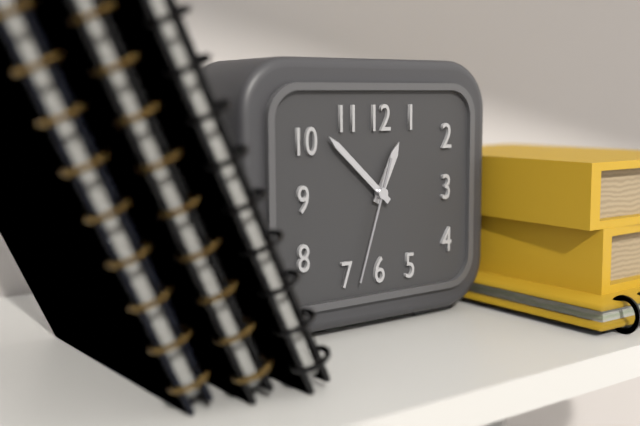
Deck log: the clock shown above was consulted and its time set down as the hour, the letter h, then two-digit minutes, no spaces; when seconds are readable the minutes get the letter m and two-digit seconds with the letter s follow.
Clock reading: 12h52m33s
